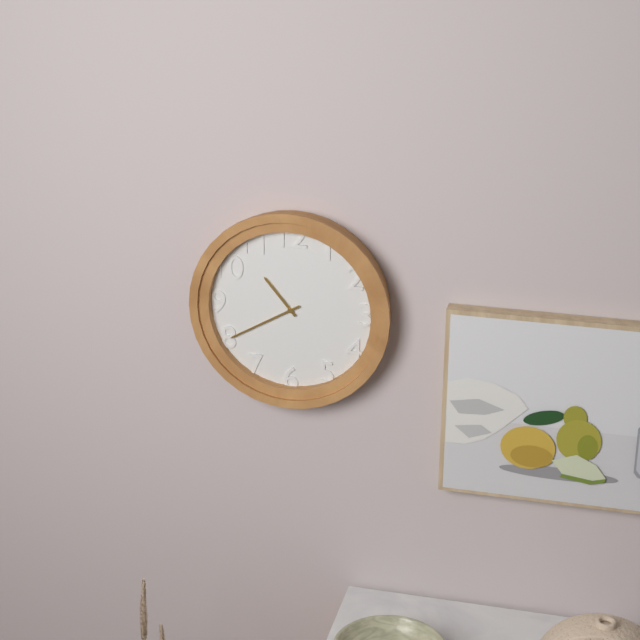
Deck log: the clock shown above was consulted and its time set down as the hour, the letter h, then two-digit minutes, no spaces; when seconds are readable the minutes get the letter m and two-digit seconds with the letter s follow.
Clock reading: 10h40
